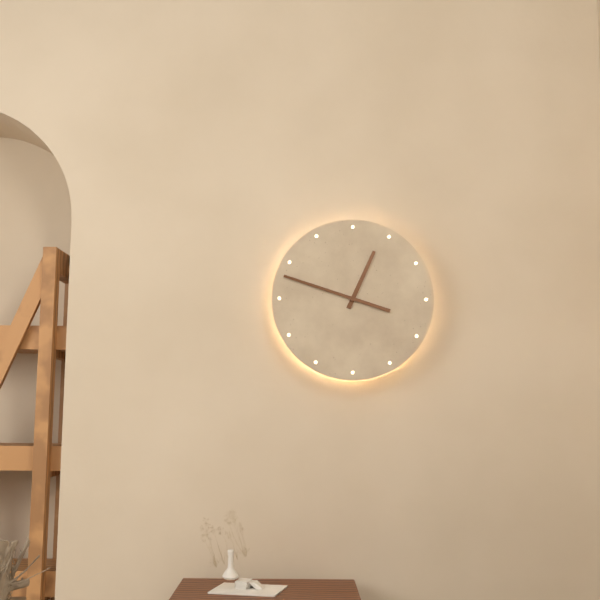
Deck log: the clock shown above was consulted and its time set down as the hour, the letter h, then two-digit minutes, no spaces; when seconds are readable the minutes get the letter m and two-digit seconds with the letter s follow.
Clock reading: 12h48
